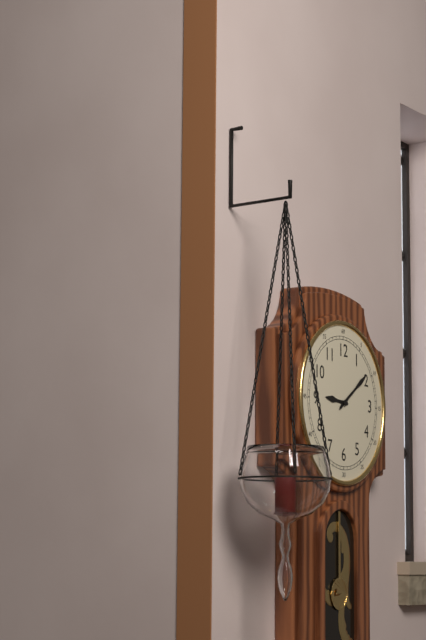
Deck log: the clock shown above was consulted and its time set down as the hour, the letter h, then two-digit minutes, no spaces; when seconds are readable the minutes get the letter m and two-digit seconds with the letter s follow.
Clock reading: 9h09
